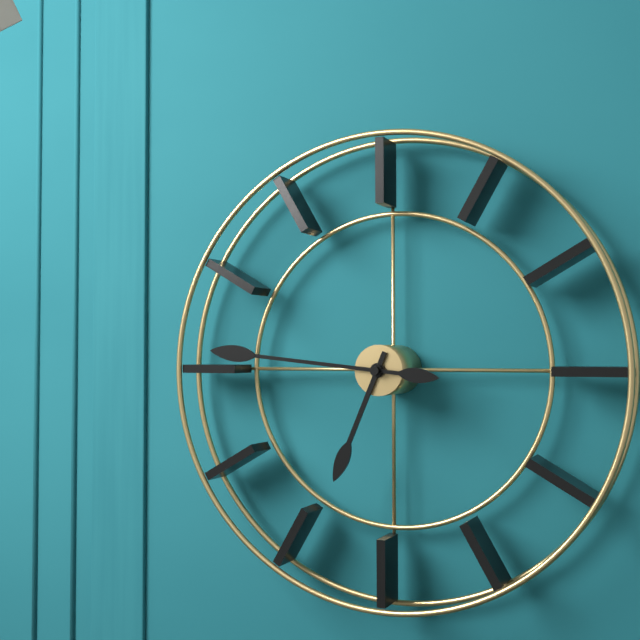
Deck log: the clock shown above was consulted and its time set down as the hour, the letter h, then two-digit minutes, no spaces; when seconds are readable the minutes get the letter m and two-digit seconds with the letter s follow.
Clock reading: 6h46
